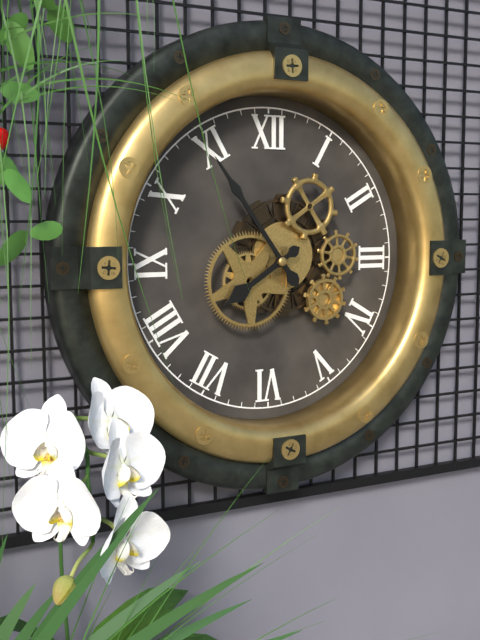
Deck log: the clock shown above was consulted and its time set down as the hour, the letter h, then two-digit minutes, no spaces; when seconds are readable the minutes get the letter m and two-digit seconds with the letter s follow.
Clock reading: 7h54
